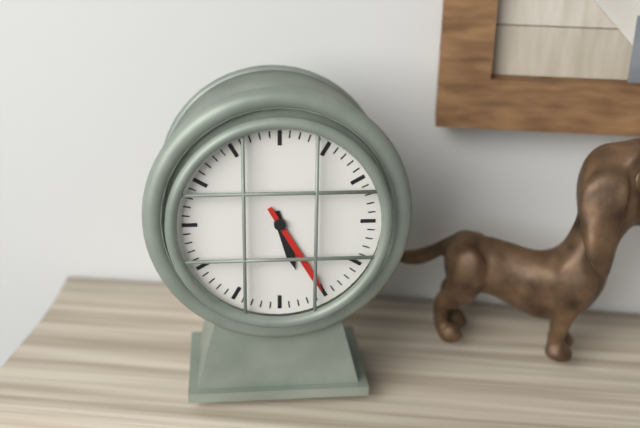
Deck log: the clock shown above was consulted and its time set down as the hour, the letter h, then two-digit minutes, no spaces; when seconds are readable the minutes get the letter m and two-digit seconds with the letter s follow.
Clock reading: 5h25
